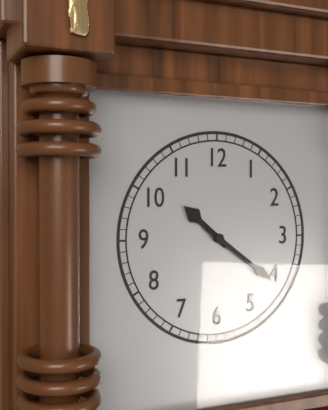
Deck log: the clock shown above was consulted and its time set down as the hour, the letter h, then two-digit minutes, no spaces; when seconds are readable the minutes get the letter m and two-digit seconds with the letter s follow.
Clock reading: 10h21
